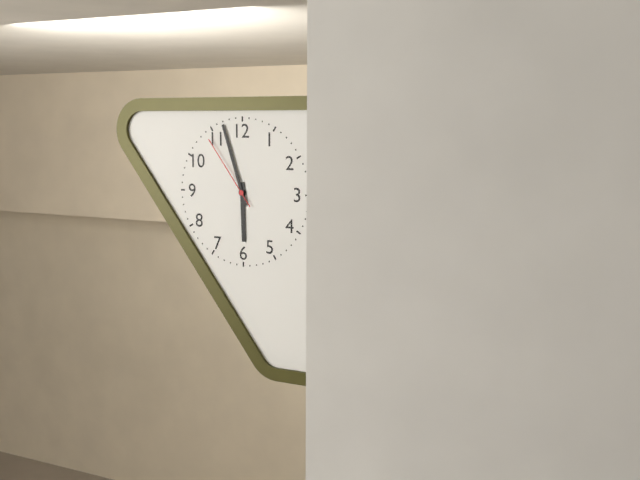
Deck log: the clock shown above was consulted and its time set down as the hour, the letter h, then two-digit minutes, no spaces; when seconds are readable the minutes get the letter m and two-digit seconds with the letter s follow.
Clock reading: 5h57m54s
